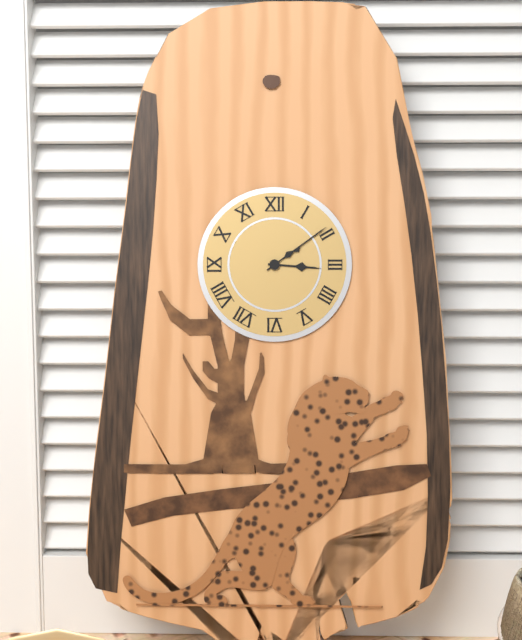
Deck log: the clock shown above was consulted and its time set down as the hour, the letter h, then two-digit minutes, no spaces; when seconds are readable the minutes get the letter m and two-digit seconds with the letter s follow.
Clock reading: 3h09
